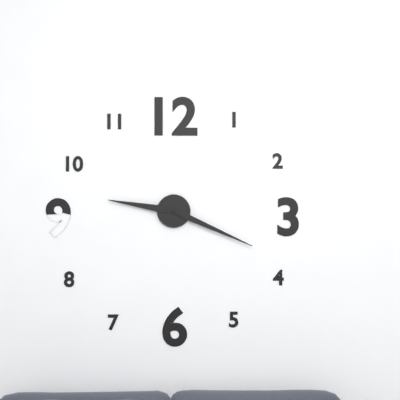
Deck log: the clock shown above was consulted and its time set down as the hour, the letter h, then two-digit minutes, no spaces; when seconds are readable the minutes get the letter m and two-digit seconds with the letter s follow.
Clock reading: 9h19
